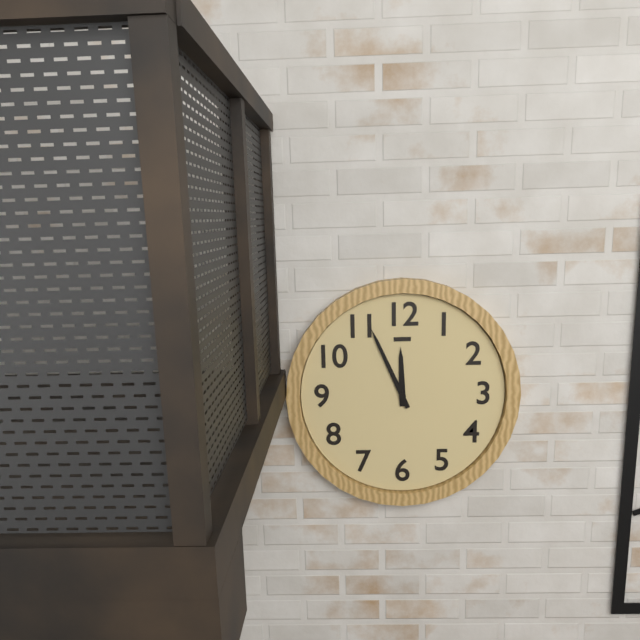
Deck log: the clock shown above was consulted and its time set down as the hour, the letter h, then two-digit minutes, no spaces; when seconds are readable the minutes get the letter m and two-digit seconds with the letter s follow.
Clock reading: 11h56
